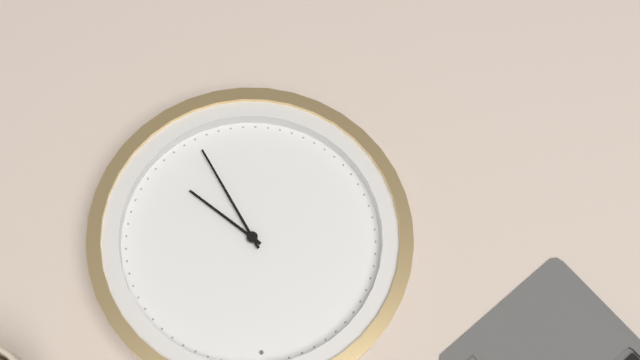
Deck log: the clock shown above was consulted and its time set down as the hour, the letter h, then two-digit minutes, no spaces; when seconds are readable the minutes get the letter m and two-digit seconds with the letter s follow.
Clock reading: 4h26
